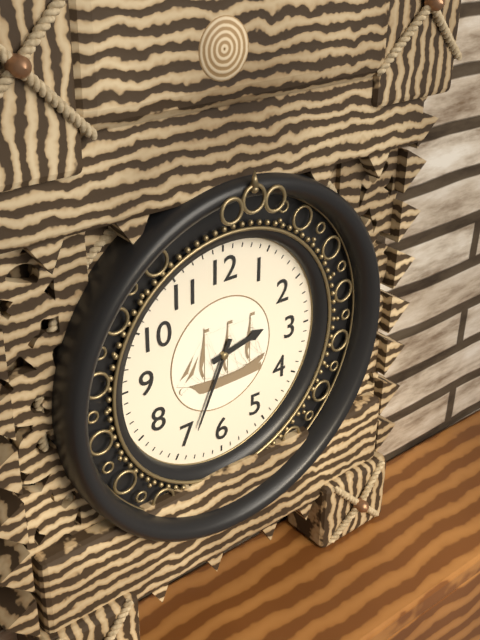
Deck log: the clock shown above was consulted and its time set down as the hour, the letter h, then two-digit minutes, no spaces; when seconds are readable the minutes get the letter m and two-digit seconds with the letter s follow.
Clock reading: 2h34
